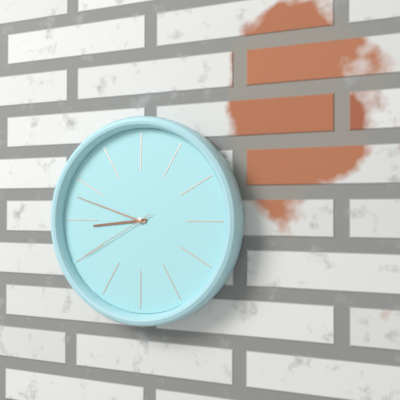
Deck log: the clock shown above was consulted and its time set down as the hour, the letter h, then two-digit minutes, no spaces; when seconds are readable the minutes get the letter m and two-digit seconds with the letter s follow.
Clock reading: 8h48m40s
